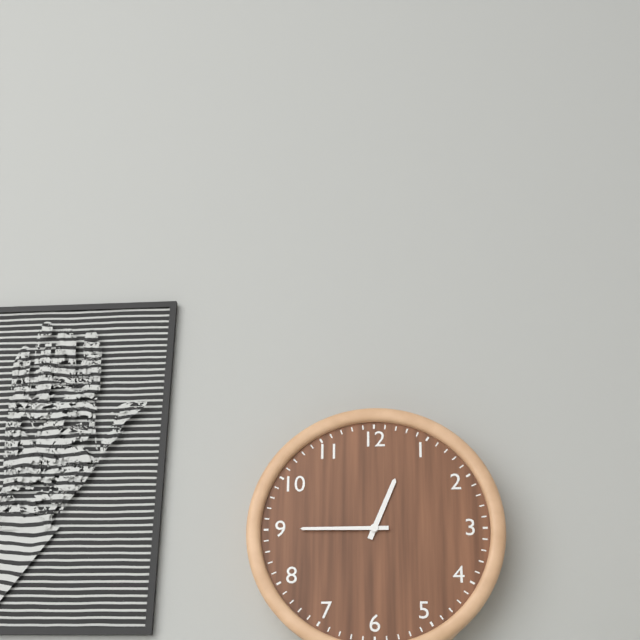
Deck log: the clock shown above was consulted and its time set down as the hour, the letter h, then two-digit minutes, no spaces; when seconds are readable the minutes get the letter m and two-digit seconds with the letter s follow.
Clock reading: 12h45
